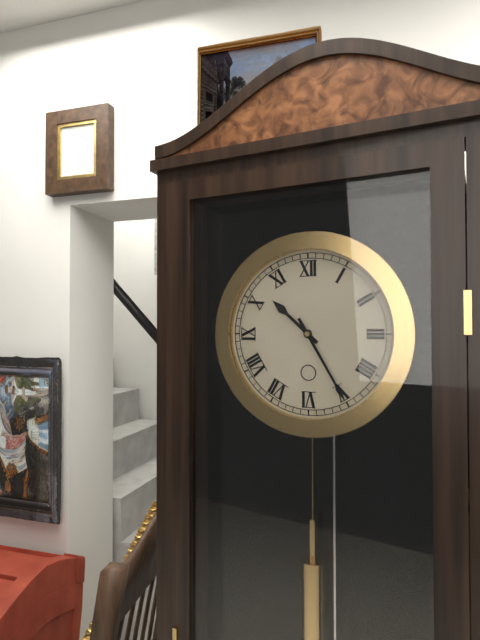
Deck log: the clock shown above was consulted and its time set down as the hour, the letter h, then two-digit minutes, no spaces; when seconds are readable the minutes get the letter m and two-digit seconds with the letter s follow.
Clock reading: 10h25
